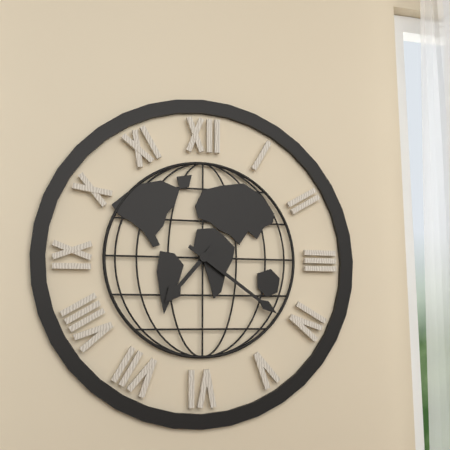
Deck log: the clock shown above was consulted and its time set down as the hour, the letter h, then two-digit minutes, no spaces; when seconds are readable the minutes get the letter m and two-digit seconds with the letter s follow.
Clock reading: 7h21
